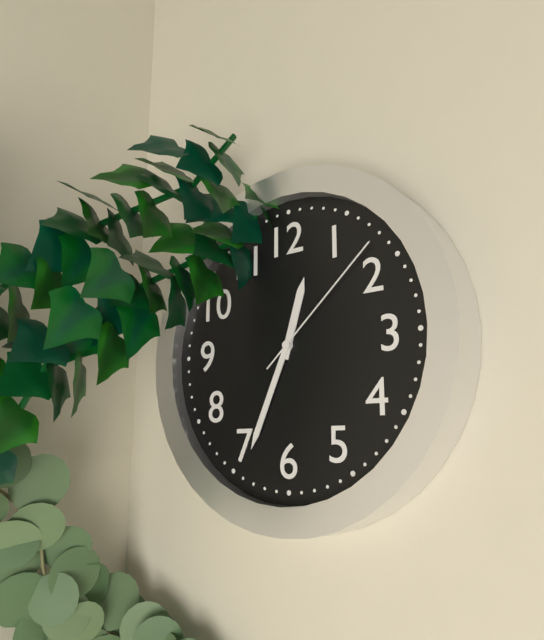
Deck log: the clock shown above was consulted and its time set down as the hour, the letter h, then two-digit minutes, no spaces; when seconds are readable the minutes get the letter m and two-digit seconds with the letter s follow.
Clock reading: 12h34m08s
